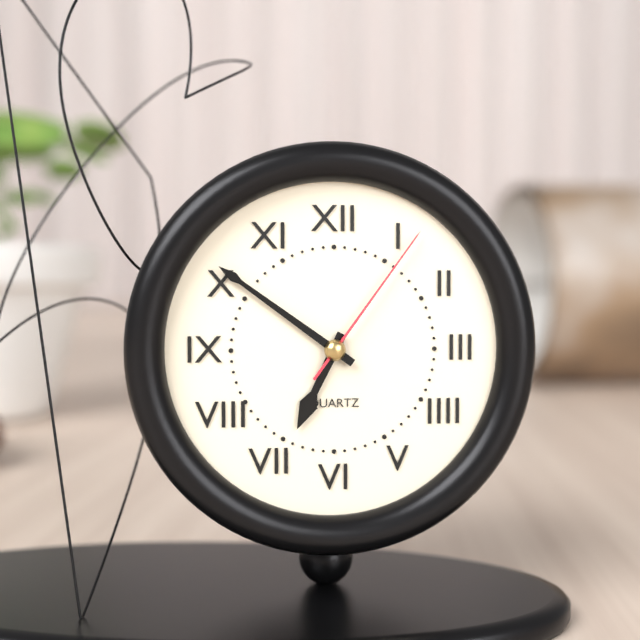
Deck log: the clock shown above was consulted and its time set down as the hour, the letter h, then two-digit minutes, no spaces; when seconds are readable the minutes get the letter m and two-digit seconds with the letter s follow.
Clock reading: 6h51m06s
